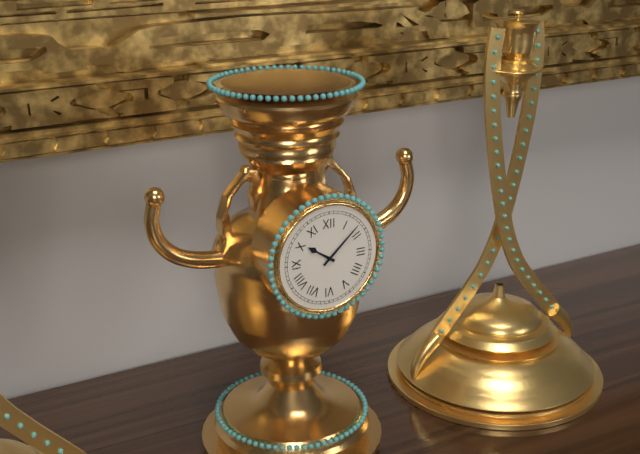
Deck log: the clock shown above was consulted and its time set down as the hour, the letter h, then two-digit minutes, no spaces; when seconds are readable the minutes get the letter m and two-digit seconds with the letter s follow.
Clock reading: 10h08
